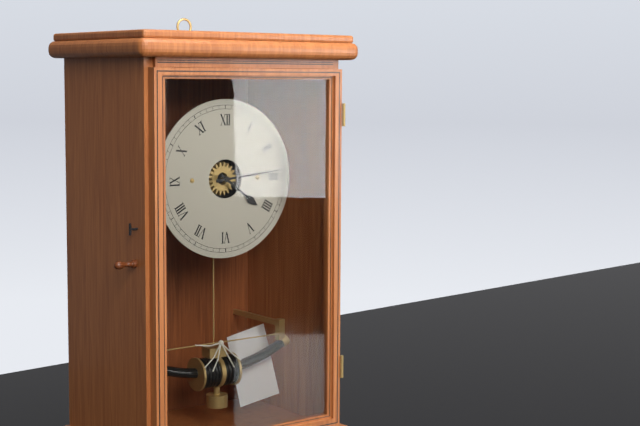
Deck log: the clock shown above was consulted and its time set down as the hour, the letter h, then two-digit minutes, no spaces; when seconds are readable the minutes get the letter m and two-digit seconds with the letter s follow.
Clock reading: 4h14
